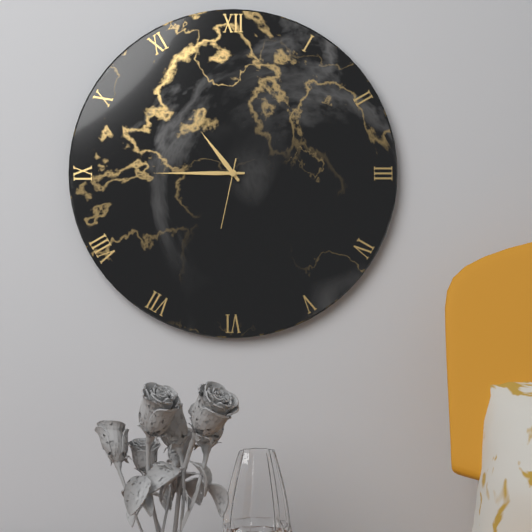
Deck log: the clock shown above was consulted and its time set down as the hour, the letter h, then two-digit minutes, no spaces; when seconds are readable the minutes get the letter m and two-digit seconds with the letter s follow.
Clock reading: 10h45m32s
